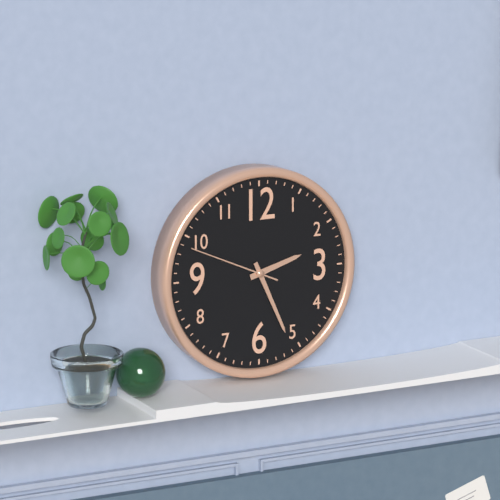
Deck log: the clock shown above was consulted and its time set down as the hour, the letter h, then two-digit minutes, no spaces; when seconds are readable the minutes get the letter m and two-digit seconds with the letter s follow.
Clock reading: 2h26m49s
